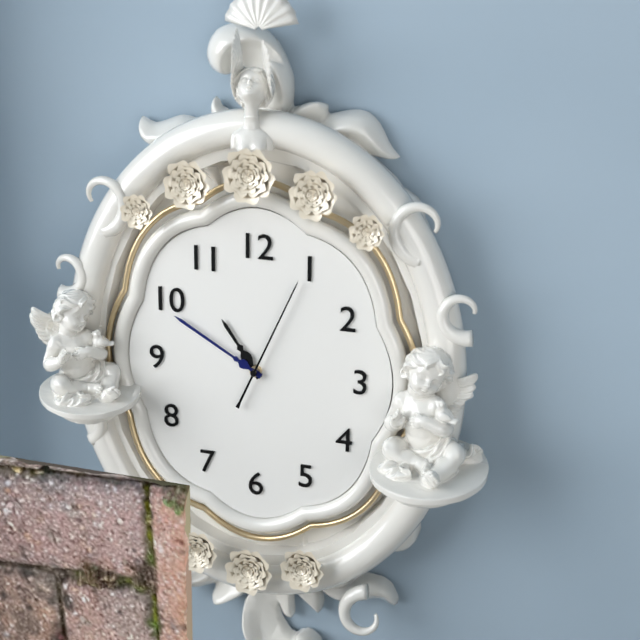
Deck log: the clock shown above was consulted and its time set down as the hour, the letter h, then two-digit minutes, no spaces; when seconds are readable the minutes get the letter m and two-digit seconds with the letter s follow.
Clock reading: 10h50m04s
